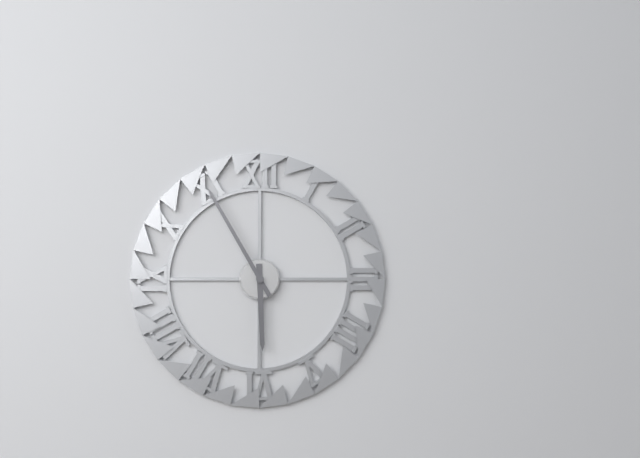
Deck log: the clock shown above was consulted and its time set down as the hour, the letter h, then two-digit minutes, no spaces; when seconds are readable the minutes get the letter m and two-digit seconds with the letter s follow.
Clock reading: 5h55
